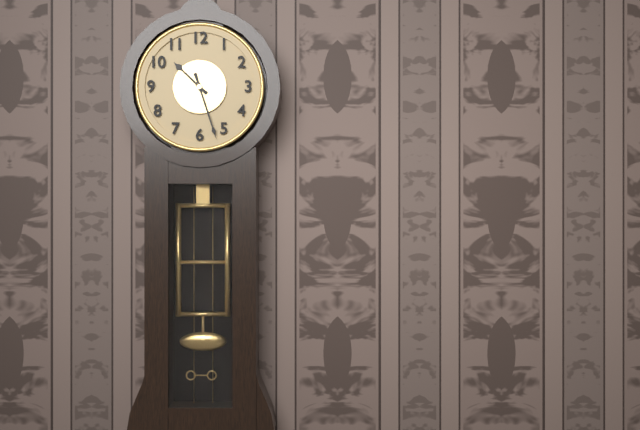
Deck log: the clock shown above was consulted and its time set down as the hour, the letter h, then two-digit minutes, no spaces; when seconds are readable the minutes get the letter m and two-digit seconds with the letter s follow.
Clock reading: 10h27
